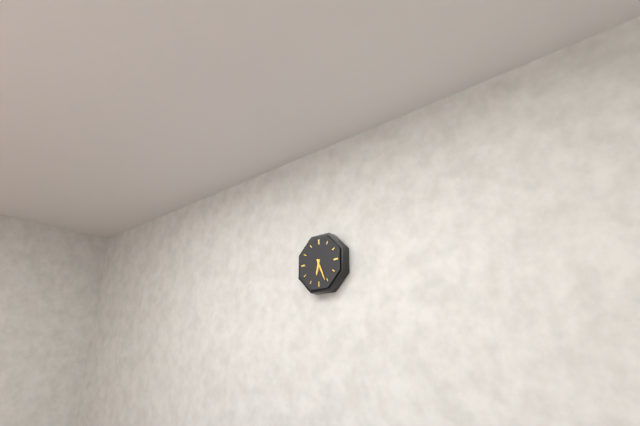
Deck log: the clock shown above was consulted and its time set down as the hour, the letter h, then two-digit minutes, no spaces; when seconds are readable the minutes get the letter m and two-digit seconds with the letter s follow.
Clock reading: 6h26
